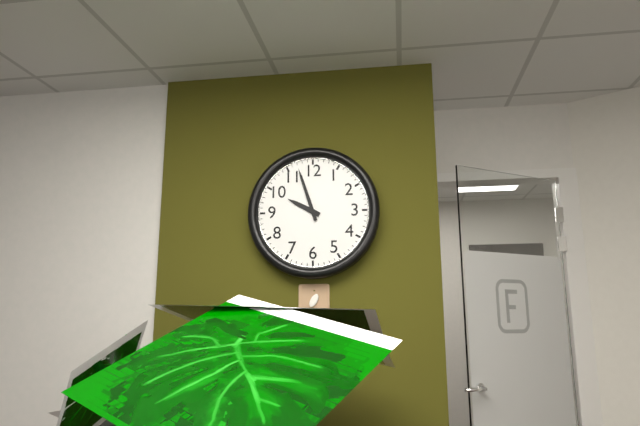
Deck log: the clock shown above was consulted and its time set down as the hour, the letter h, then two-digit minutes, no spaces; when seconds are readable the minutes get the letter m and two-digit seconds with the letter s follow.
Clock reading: 9h57
